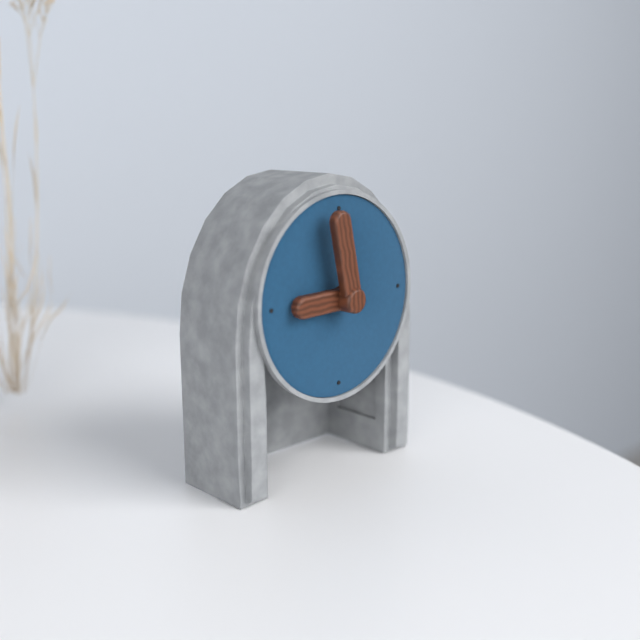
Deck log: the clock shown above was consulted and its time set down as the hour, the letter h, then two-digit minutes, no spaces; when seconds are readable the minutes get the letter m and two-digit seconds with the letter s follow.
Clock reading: 8h58
